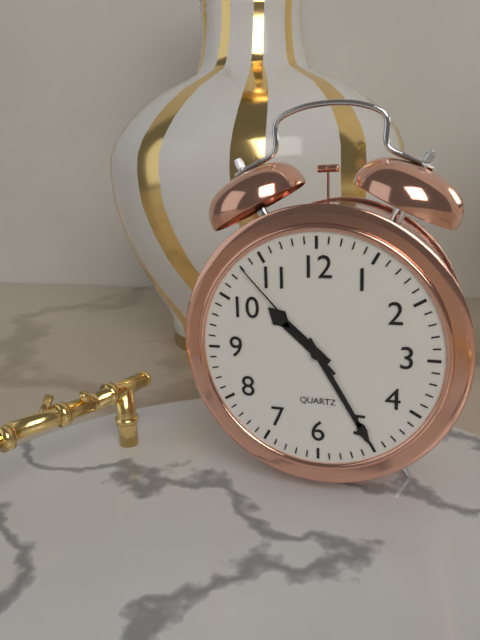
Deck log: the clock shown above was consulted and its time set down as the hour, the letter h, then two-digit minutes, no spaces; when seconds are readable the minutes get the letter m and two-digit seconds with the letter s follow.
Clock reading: 10h25m53s
